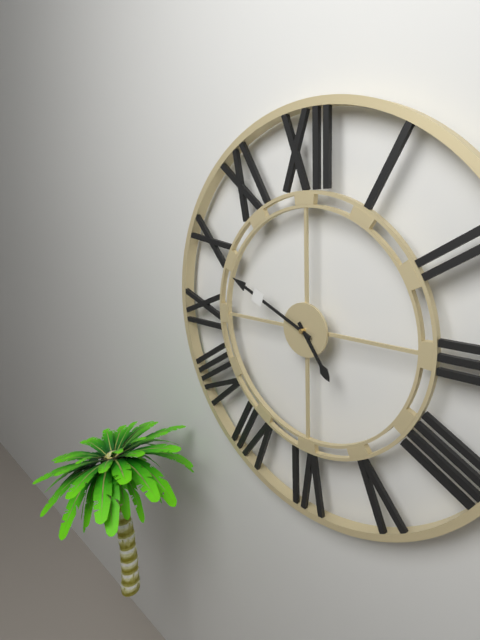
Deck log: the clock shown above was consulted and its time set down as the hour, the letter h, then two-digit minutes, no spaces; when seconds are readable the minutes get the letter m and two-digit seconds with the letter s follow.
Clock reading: 4h49
